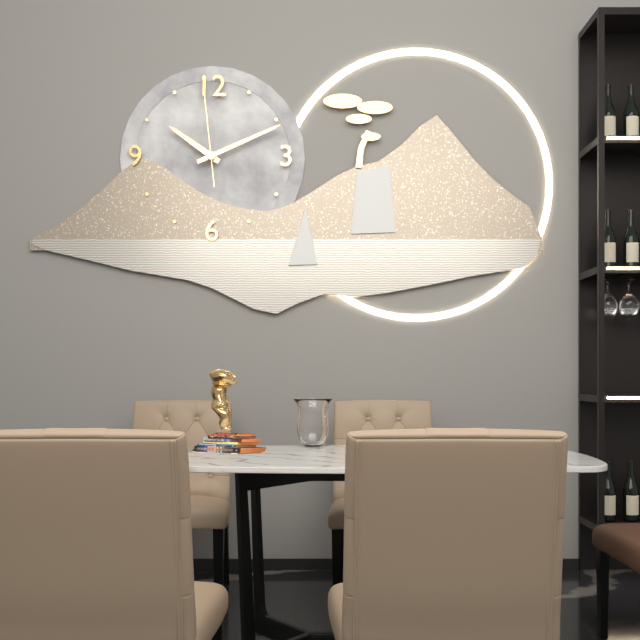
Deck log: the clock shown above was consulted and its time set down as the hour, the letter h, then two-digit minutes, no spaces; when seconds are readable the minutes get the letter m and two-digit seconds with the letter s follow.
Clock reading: 10h11m59s
